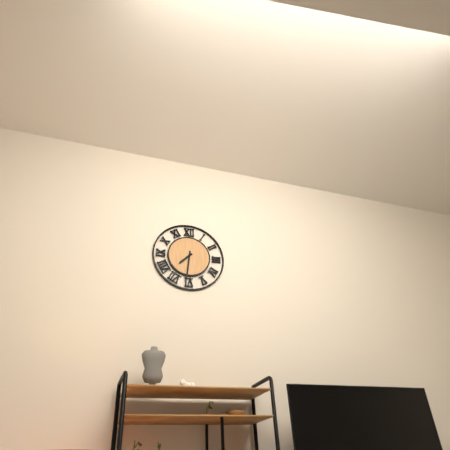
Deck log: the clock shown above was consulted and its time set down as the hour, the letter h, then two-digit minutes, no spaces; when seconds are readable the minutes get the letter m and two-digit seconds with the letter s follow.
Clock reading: 7h31
